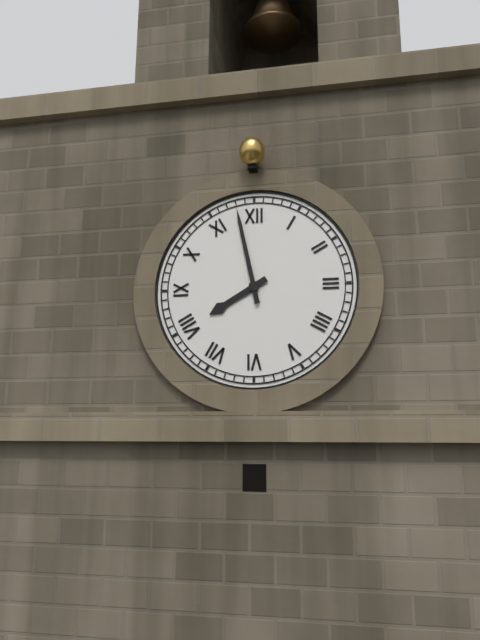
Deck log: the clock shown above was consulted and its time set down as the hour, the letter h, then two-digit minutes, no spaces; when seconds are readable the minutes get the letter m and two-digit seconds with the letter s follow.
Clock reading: 7h58
